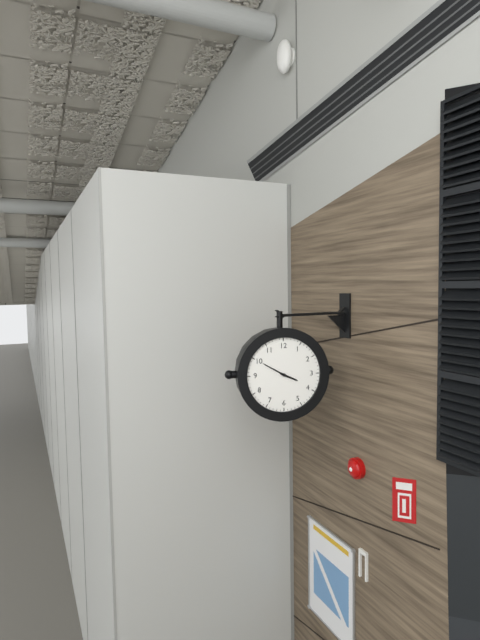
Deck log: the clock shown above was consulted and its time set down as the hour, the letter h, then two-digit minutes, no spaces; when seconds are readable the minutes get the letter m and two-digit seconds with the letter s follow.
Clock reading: 3h50
